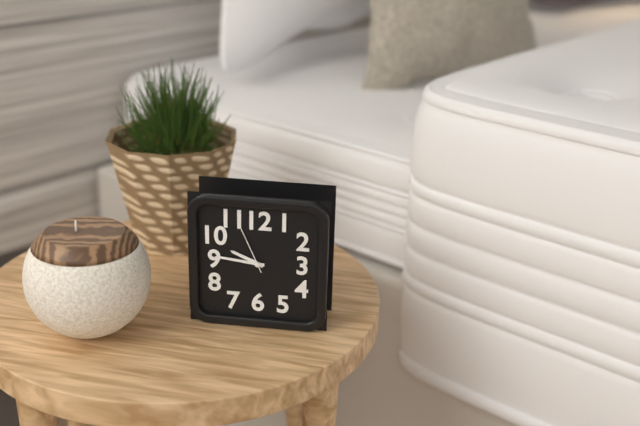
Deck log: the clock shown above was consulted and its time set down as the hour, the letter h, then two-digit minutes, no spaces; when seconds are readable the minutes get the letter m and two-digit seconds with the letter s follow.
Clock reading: 9h46m56s
